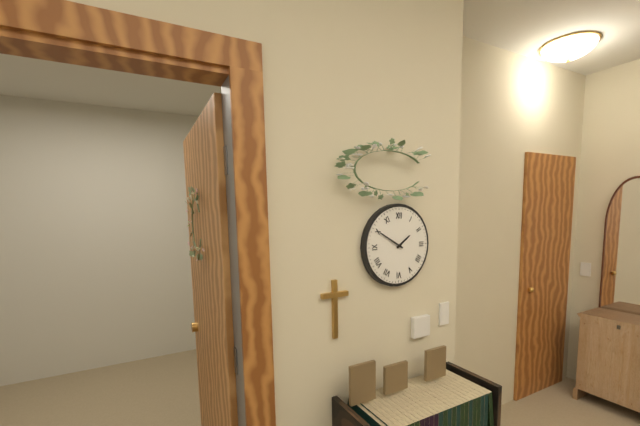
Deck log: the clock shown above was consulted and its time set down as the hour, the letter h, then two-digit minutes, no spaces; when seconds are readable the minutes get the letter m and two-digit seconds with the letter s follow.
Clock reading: 1h50
